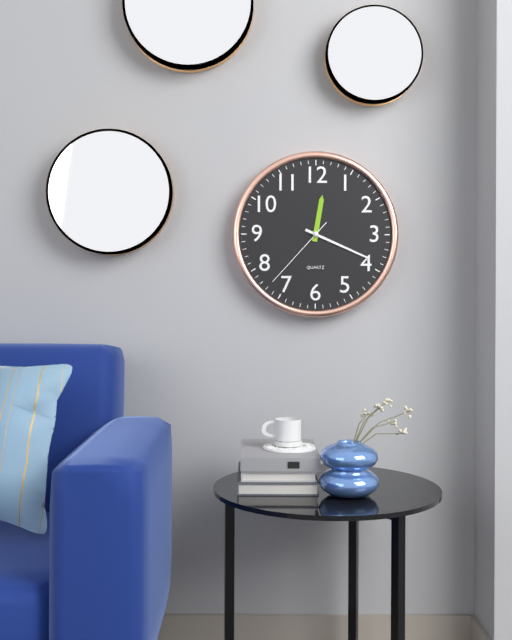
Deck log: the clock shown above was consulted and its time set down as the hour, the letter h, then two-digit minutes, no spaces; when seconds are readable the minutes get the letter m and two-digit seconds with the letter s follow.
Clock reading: 12h19m37s
